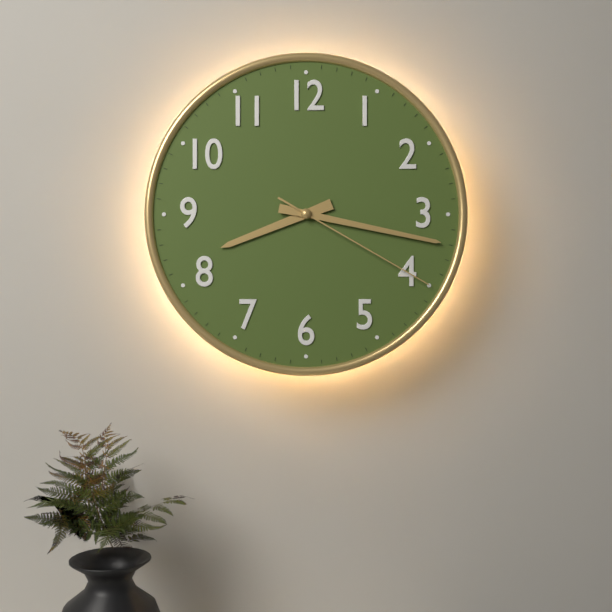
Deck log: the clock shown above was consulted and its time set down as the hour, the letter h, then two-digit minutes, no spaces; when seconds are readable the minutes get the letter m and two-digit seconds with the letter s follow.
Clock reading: 8h17m20s
